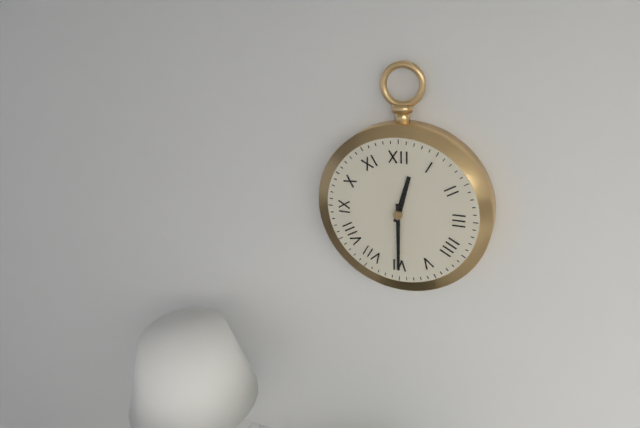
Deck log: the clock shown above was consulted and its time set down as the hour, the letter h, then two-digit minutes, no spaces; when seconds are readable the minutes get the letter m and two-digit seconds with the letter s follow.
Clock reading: 12h30
